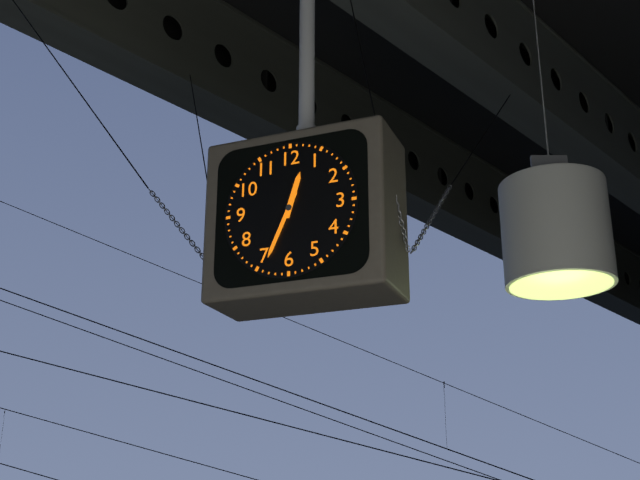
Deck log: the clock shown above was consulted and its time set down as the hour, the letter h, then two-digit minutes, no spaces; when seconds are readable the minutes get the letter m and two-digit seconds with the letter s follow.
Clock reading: 12h34
